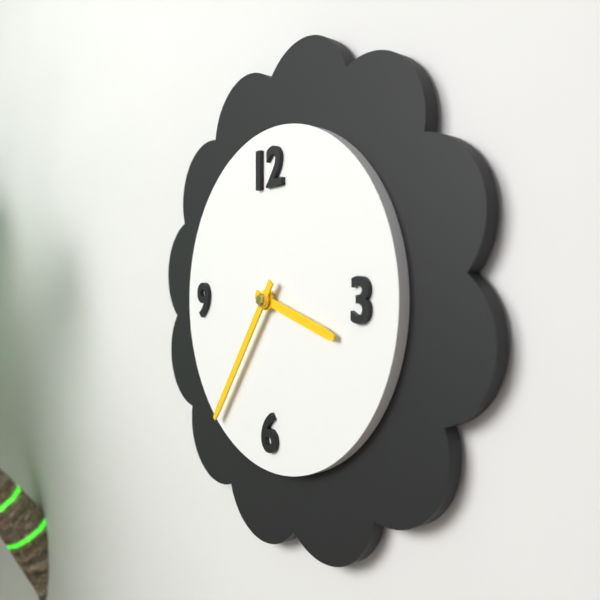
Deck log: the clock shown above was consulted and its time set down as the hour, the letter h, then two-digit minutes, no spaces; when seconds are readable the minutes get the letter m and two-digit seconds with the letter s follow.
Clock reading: 3h36
